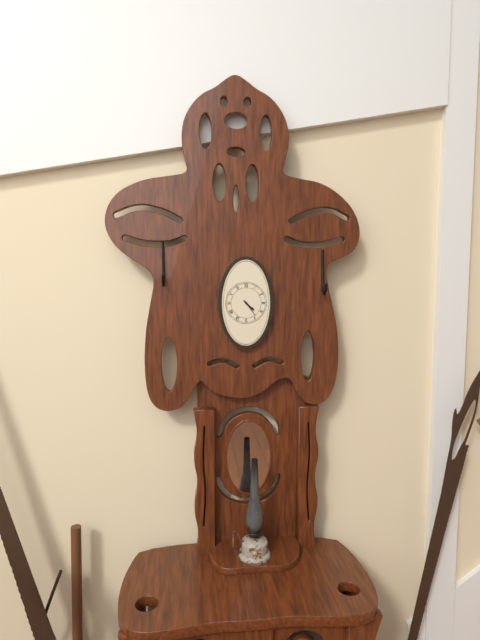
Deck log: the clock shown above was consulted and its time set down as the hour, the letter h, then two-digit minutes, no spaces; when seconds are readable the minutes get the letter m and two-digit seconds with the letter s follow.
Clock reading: 4h24
